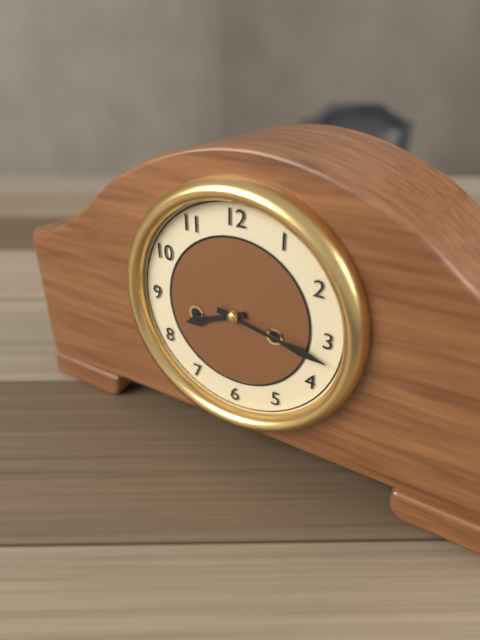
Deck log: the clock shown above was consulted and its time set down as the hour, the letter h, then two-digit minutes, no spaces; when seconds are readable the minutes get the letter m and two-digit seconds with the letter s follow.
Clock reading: 8h17
